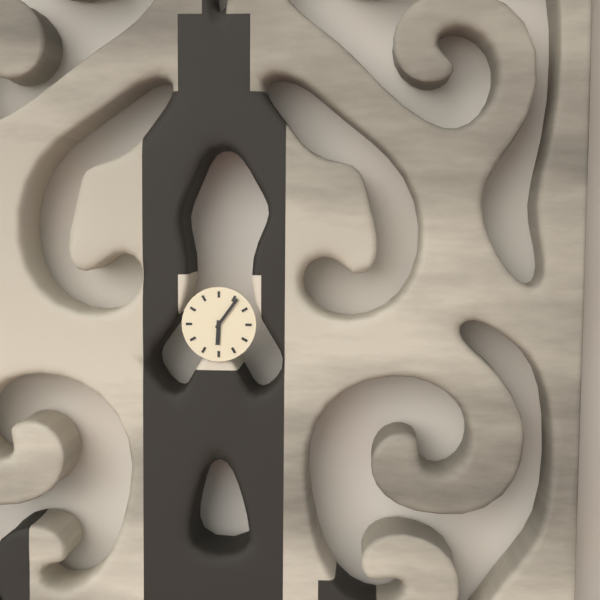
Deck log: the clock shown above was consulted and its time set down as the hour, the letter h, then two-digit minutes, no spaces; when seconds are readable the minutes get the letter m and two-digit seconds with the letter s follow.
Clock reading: 6h06
